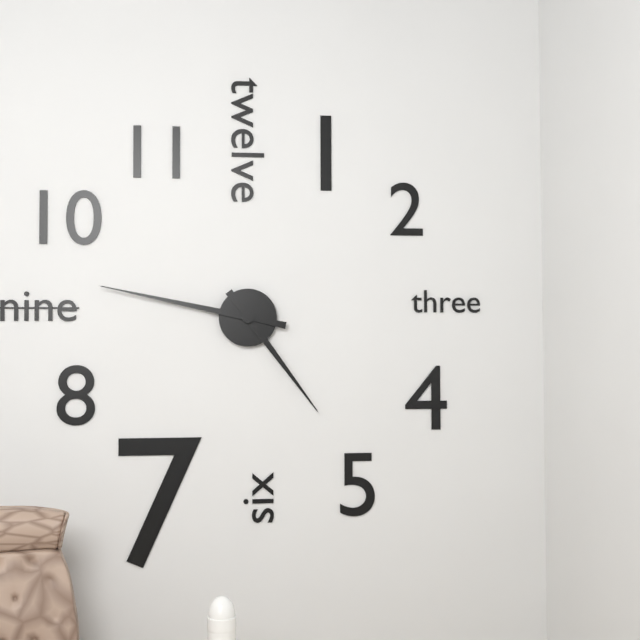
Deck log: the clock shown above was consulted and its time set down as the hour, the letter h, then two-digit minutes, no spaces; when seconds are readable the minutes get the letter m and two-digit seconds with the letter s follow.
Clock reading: 4h47
